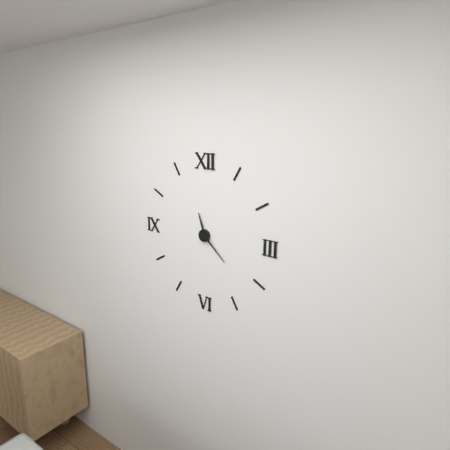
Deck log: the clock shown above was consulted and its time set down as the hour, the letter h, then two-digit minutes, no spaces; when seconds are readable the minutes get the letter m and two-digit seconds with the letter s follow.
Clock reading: 11h22
